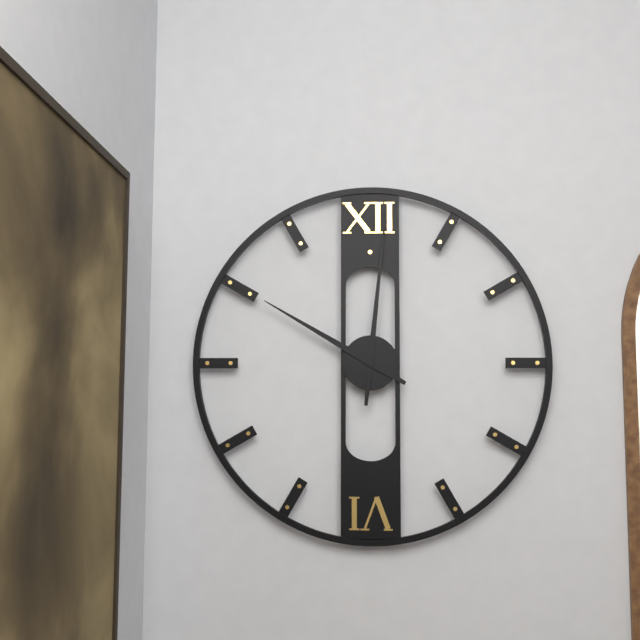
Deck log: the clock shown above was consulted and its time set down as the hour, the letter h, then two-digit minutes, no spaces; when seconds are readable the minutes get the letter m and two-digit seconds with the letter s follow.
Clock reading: 10h01
